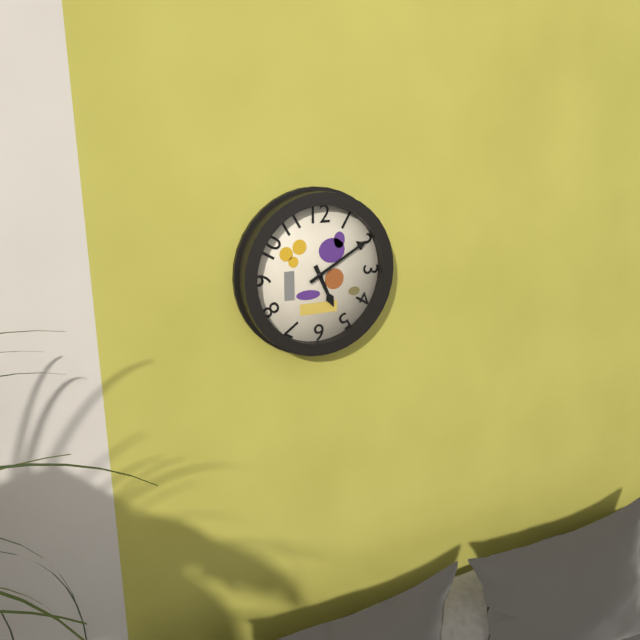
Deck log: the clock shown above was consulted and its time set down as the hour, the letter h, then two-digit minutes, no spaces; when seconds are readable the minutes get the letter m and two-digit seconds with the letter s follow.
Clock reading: 5h10
